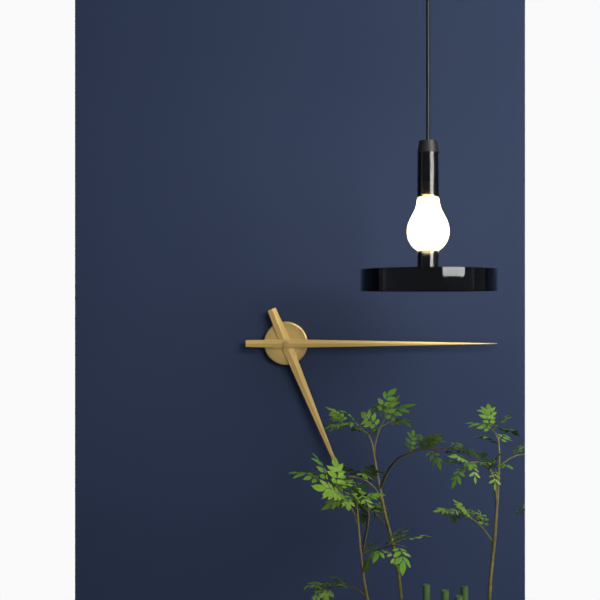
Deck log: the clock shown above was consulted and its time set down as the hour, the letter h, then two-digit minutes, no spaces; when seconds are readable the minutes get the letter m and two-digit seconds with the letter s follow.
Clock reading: 5h15
